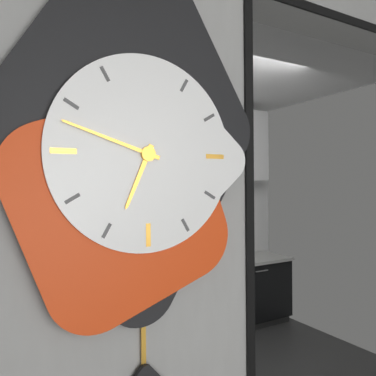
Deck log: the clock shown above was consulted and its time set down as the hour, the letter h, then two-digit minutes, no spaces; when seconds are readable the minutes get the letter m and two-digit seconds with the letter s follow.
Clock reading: 6h48
